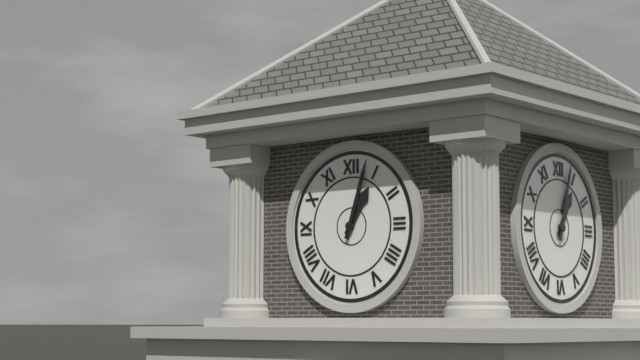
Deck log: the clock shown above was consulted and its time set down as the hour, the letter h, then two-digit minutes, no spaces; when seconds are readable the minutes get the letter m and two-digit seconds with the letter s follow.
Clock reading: 1h03
